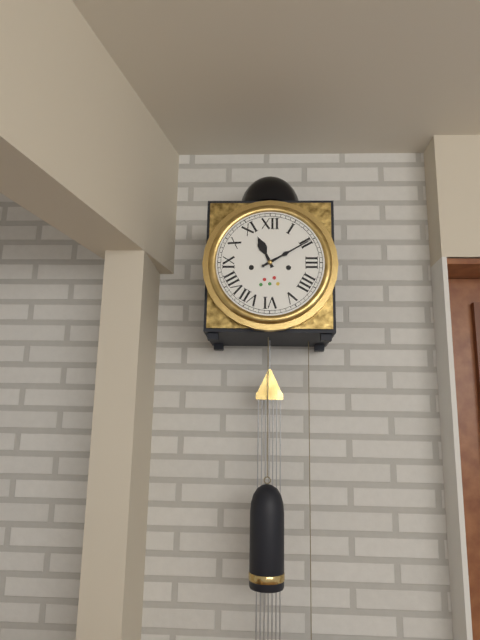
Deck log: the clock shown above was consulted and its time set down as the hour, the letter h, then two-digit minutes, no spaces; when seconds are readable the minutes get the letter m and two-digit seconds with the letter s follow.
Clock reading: 11h10
